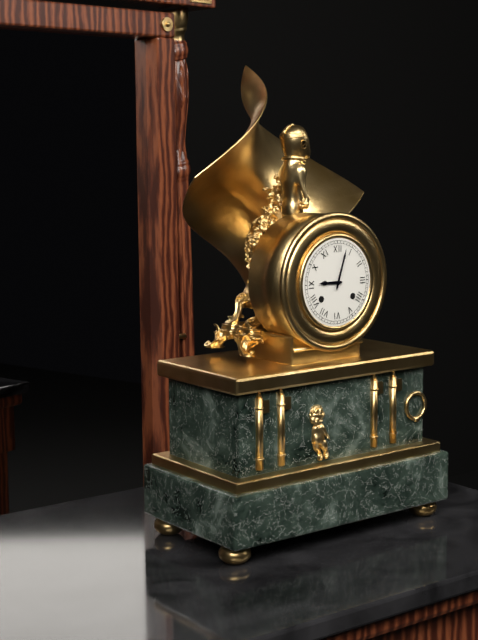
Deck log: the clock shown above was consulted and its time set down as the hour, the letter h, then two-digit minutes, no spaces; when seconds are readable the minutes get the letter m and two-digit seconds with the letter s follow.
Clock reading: 9h03
